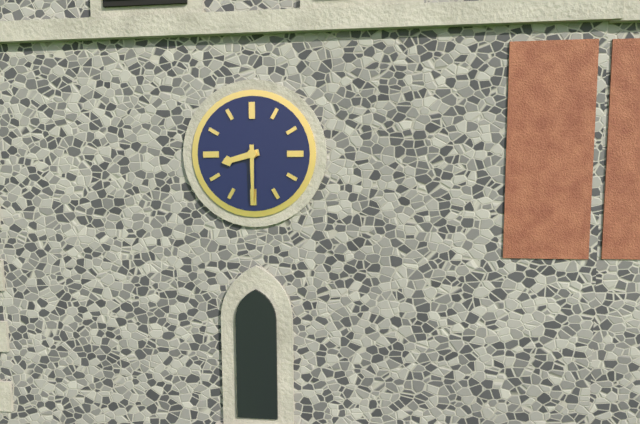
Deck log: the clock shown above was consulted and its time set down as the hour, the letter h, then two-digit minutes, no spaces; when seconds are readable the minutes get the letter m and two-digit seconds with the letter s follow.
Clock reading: 8h30
